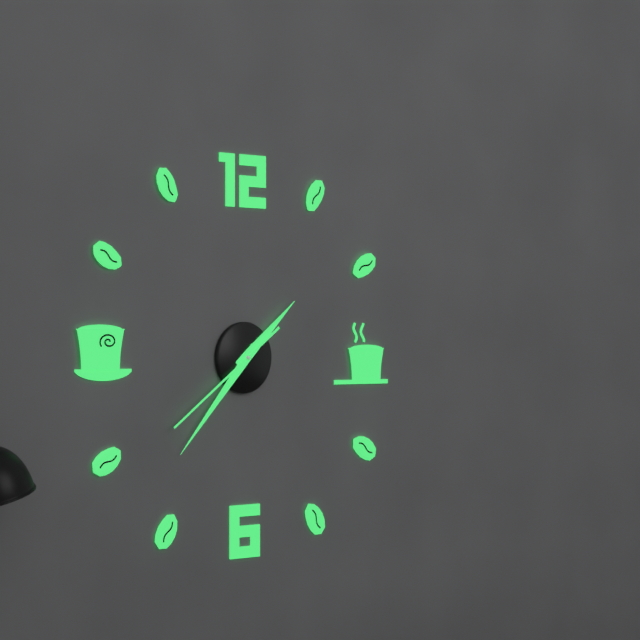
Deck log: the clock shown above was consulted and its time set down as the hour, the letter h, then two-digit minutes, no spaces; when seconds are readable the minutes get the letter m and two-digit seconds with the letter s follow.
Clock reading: 1h37m39s
